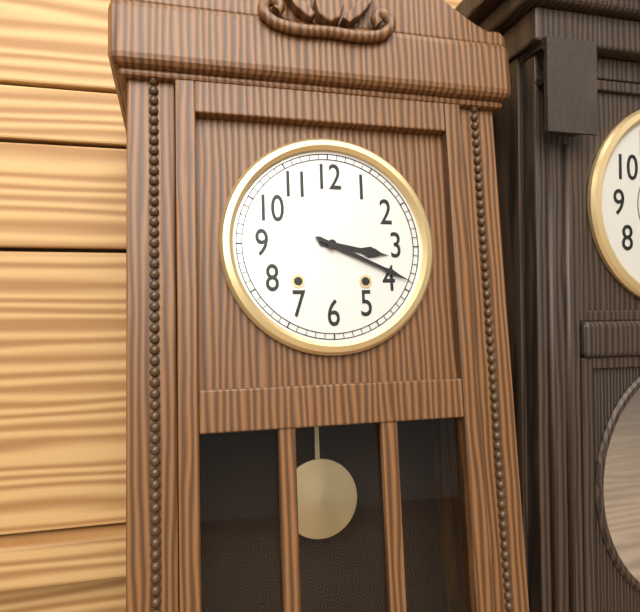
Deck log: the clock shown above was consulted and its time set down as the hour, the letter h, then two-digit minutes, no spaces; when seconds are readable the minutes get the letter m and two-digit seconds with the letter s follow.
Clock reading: 3h19
